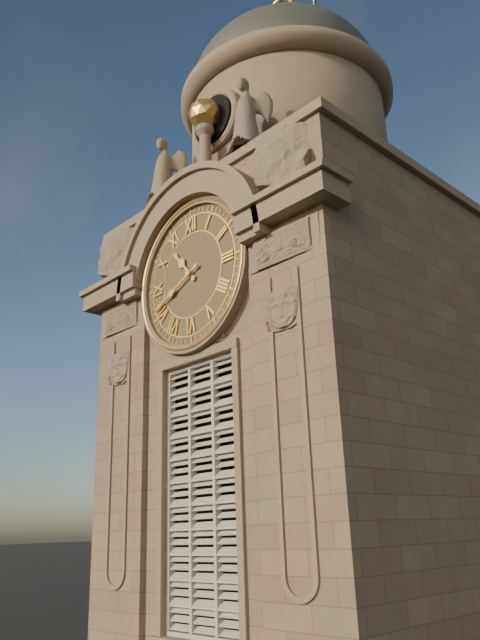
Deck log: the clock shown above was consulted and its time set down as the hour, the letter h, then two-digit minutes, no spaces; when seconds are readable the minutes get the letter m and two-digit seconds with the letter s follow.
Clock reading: 10h41
